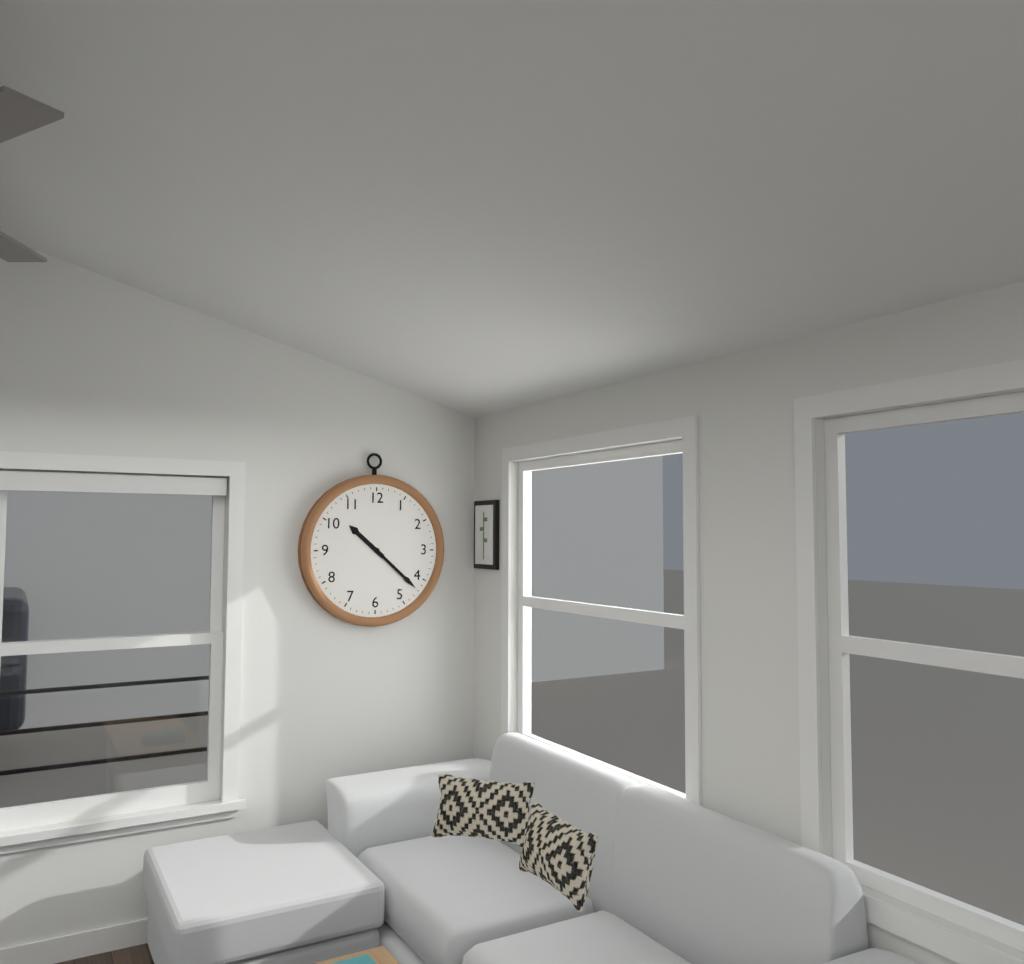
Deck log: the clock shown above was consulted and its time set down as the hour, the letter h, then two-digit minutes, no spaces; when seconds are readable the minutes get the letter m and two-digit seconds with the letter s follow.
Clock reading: 10h22
